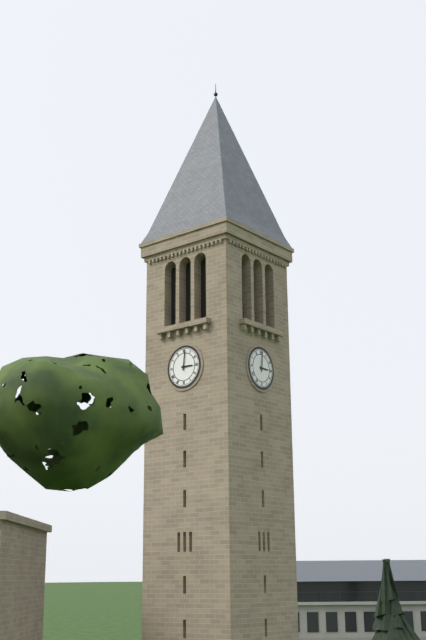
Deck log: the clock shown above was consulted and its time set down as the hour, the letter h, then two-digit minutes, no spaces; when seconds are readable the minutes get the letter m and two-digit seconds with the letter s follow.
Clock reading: 3h01
